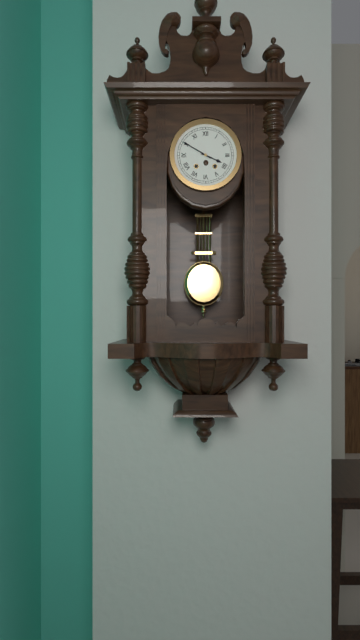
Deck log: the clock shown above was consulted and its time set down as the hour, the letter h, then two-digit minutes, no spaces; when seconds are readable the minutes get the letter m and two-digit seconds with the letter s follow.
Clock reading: 3h50
